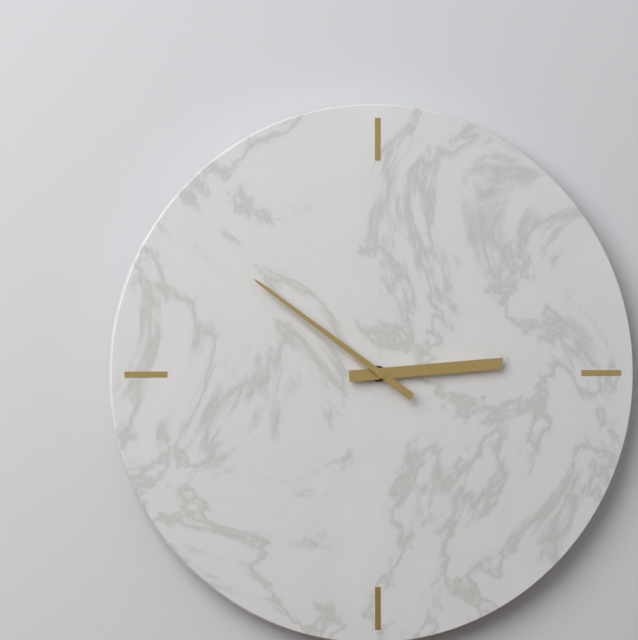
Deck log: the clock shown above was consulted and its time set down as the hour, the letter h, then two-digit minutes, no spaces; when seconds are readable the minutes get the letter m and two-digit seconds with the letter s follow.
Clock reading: 2h51
